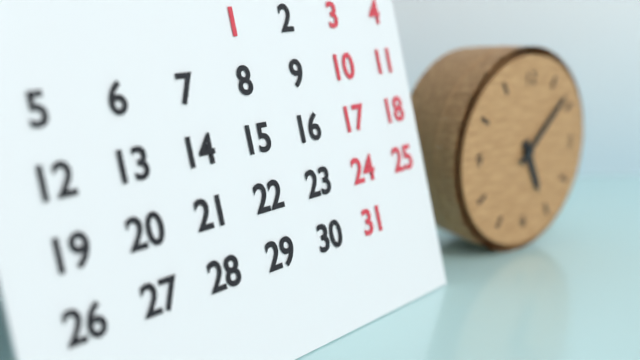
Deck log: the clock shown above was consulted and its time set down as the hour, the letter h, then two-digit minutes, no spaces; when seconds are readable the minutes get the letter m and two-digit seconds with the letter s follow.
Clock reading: 5h08
